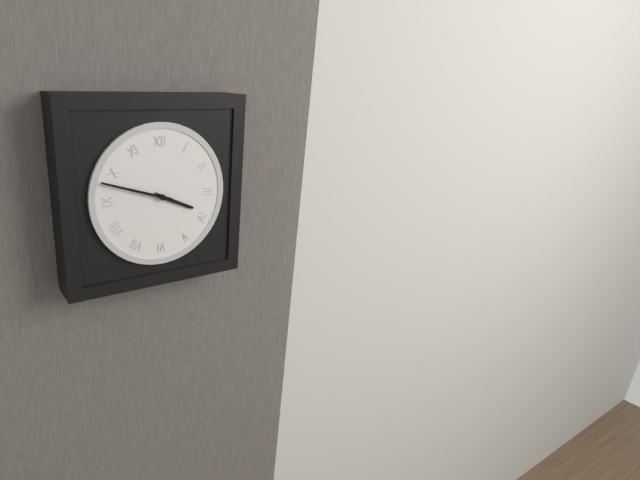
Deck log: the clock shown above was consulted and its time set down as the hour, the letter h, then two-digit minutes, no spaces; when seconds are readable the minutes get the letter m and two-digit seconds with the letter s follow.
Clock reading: 3h48
